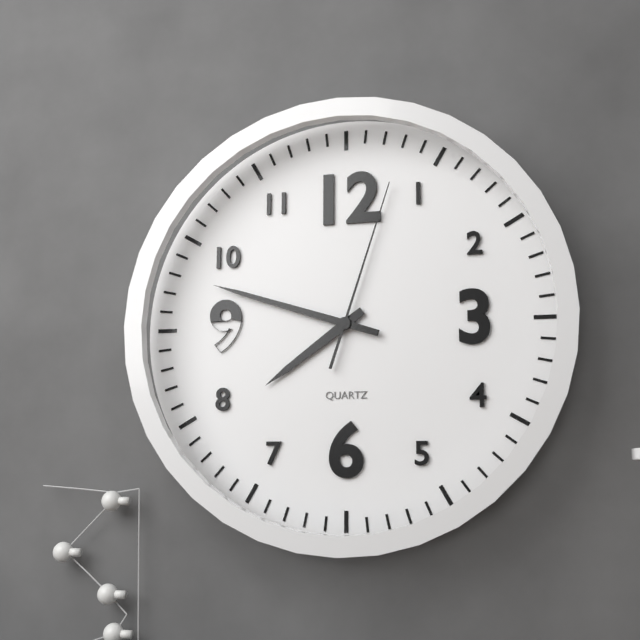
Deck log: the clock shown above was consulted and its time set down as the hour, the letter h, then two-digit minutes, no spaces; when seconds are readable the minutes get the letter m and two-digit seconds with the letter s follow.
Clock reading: 7h48m03s
